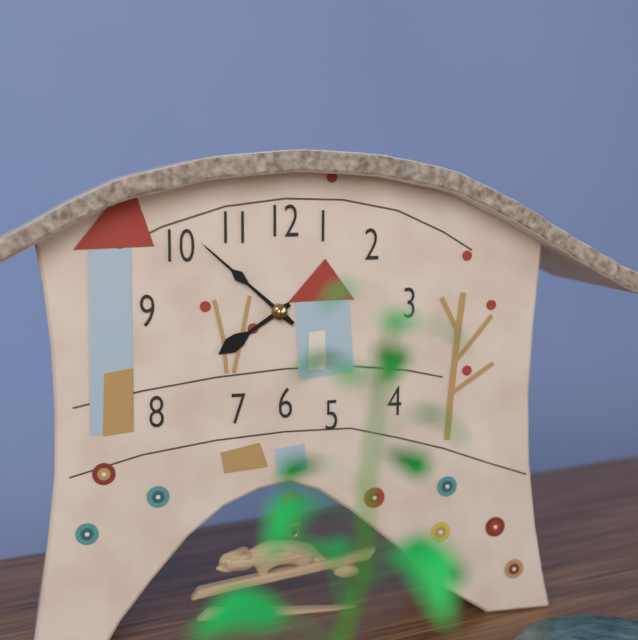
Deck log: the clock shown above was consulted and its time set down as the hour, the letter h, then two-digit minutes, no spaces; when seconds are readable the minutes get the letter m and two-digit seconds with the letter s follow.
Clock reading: 7h52
